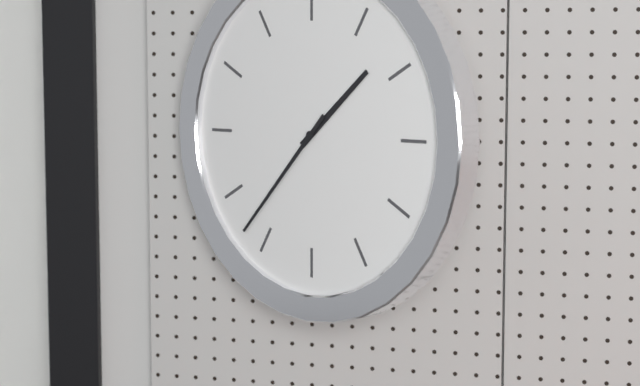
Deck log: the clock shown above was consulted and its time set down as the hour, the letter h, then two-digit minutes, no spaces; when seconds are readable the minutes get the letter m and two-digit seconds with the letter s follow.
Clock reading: 1h37
